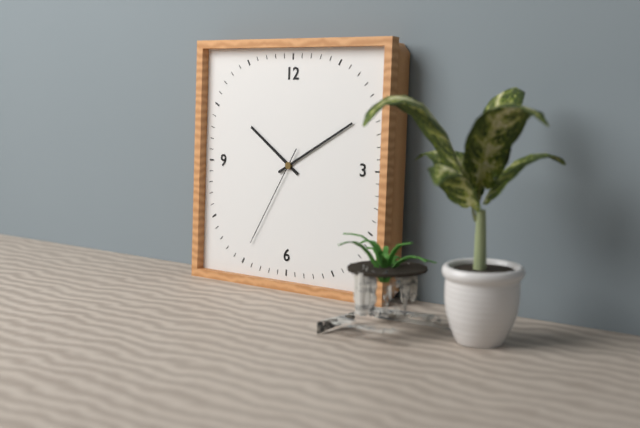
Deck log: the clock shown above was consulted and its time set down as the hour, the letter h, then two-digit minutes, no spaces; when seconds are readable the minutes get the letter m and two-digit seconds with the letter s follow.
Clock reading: 10h10m35s
